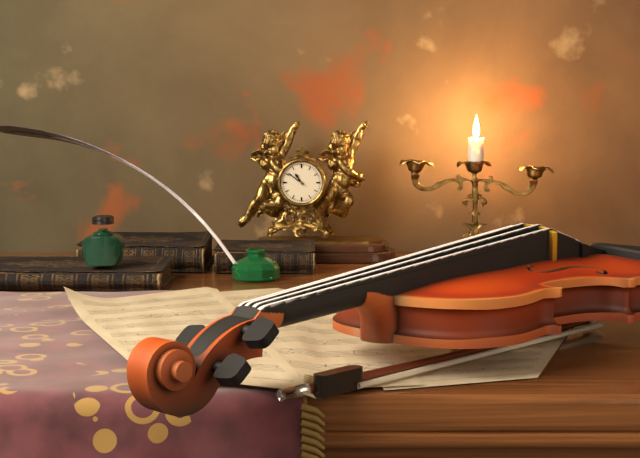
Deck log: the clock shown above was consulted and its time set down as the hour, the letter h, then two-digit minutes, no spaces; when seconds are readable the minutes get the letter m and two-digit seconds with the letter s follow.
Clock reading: 10h51
